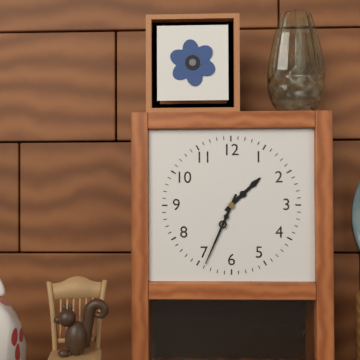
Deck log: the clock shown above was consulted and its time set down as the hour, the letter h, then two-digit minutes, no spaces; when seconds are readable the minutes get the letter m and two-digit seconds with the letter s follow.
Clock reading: 1h34
